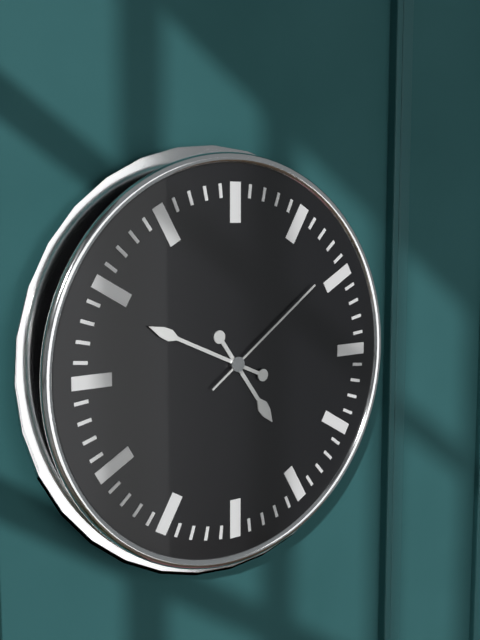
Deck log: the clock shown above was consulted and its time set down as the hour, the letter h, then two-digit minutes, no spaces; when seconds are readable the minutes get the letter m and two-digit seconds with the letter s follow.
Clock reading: 4h49m09s
